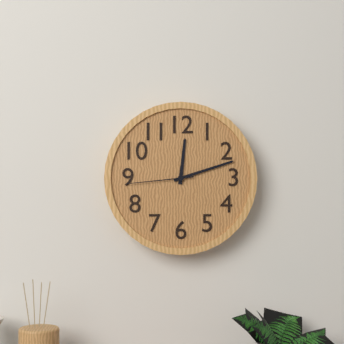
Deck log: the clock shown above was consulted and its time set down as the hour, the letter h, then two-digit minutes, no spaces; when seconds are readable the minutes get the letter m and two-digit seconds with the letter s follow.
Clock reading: 12h12m44s
